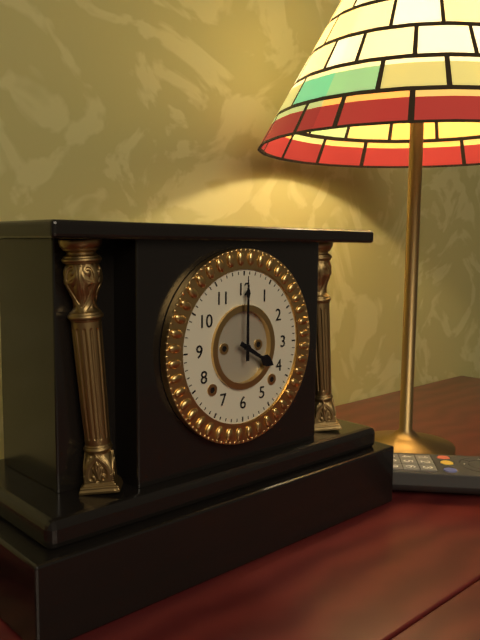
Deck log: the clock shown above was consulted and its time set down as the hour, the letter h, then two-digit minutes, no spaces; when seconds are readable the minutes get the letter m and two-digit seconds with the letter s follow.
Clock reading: 4h00
